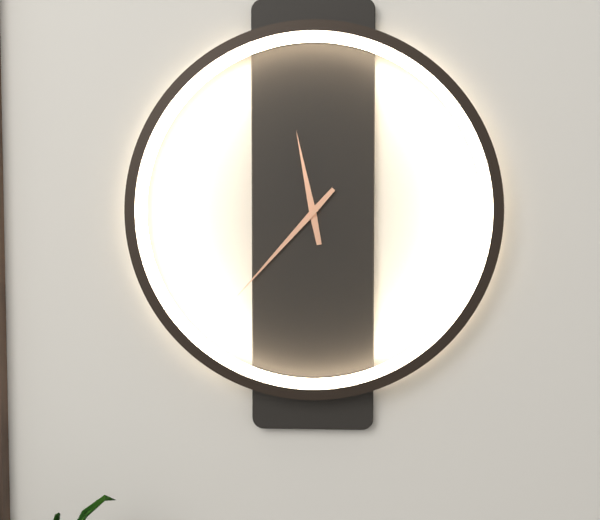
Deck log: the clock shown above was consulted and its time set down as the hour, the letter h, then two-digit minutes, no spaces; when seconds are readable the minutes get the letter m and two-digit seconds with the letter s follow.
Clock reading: 11h37
